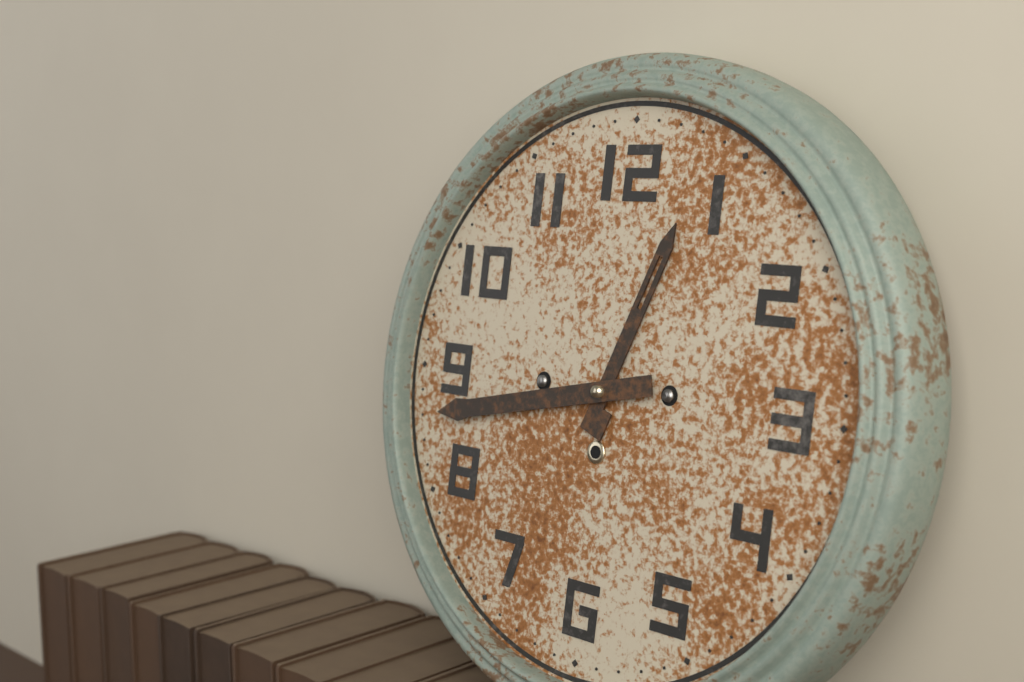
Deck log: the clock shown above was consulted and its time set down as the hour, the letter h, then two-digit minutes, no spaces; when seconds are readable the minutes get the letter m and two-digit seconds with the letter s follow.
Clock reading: 12h43
